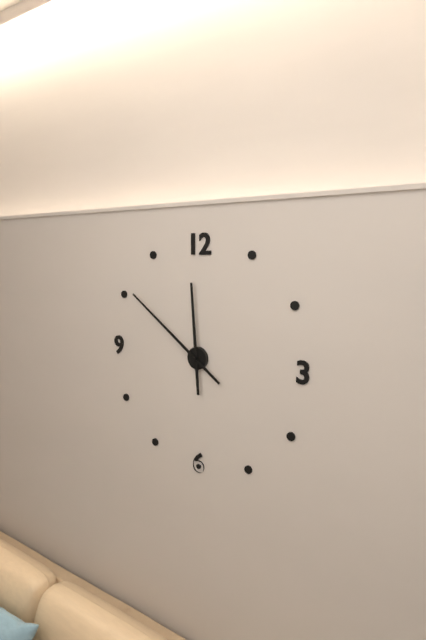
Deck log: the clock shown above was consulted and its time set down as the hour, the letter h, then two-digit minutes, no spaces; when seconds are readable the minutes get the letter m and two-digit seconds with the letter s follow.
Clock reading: 11h51
